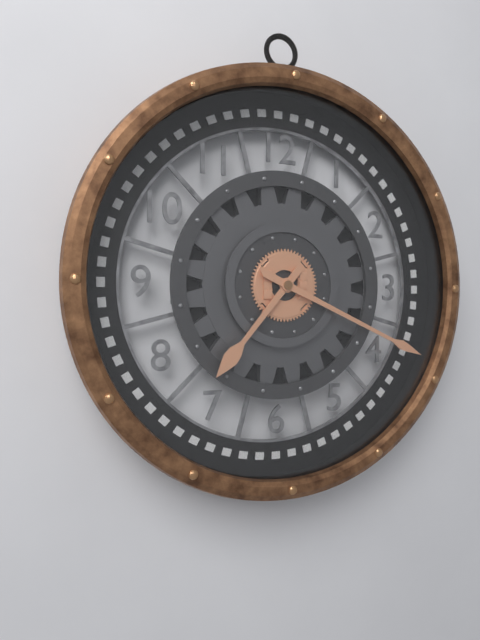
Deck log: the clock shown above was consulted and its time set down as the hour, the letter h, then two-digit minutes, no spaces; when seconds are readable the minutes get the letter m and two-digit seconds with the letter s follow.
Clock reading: 7h19
